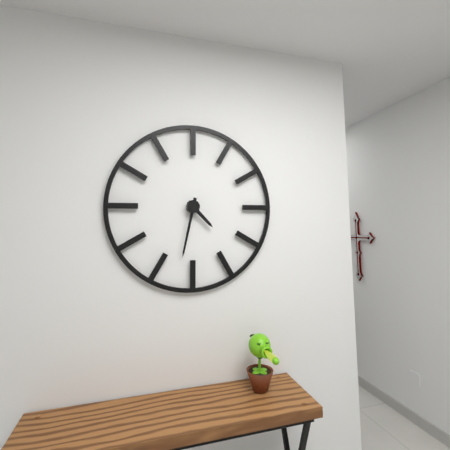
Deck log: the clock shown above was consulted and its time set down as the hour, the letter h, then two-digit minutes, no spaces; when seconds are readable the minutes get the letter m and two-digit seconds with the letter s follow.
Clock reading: 4h32
